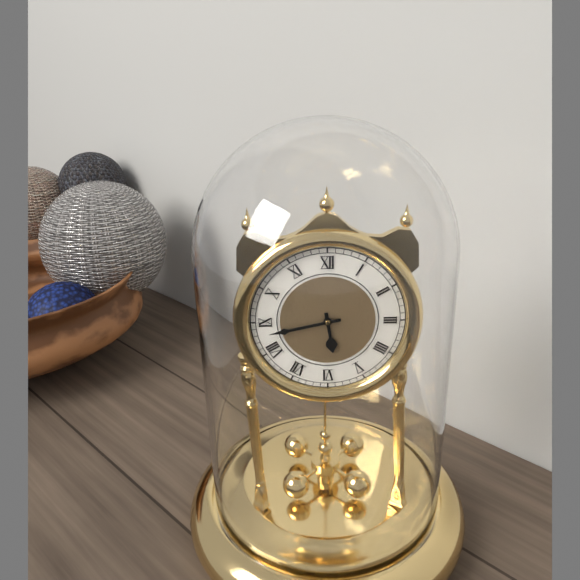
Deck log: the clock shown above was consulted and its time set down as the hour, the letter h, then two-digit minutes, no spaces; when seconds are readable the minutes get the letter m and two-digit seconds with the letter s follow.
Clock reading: 5h43
